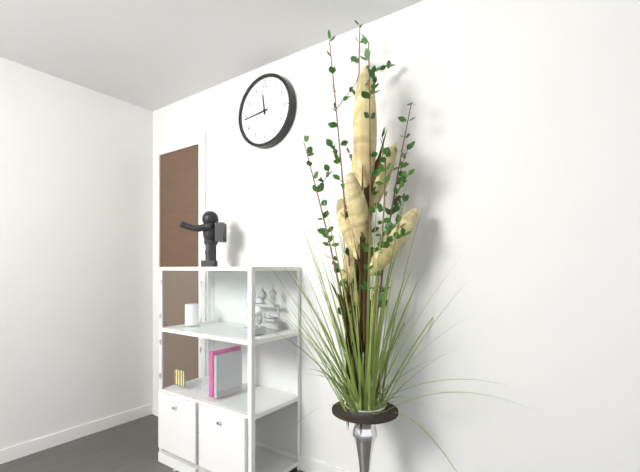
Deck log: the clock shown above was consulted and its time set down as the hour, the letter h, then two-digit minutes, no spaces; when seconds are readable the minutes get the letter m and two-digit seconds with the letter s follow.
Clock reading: 11h44
